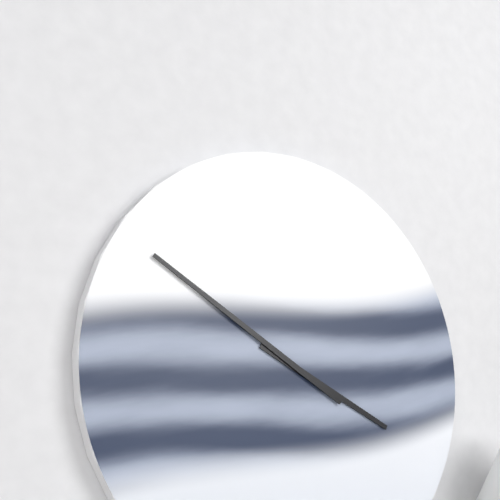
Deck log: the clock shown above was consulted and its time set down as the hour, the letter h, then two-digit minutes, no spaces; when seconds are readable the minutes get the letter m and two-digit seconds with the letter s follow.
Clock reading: 3h50
